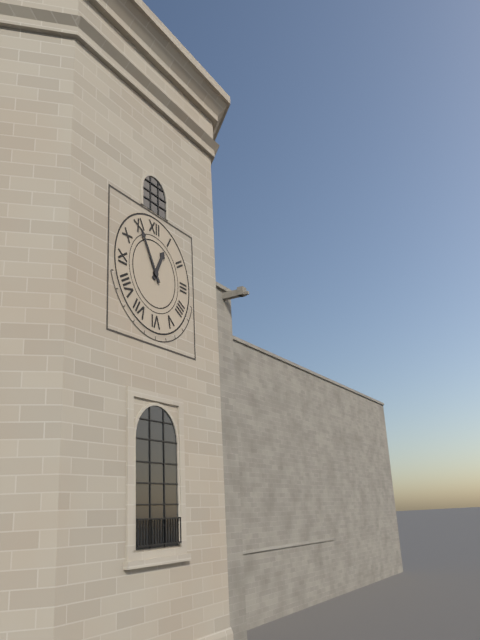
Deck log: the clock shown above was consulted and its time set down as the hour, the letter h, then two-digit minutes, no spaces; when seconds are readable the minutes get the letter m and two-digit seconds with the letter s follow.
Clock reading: 12h55
